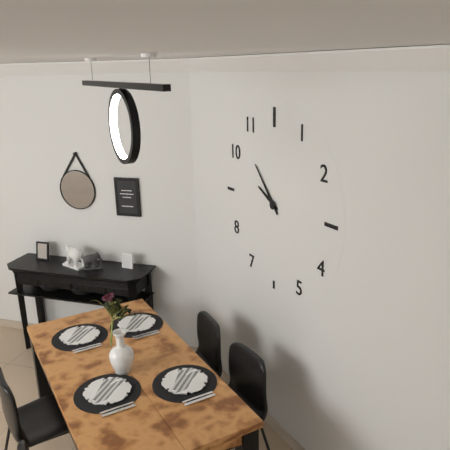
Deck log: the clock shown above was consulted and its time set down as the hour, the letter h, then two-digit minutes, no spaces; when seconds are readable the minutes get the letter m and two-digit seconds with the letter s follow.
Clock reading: 9h53
